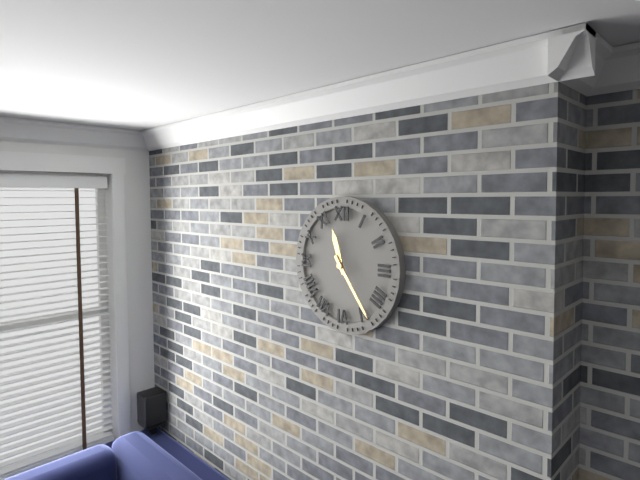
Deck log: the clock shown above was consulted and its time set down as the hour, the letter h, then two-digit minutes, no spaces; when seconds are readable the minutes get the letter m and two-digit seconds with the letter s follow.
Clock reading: 11h24
